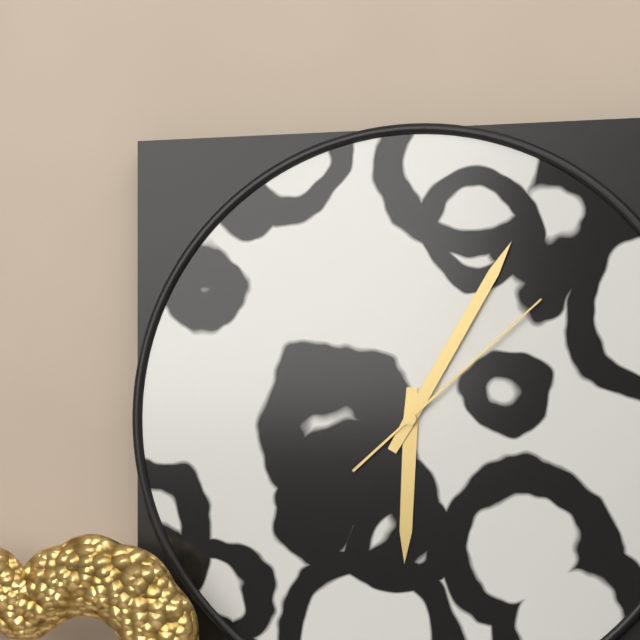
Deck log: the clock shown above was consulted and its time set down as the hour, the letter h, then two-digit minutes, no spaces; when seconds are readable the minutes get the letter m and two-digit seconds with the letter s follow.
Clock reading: 6h05m08s
